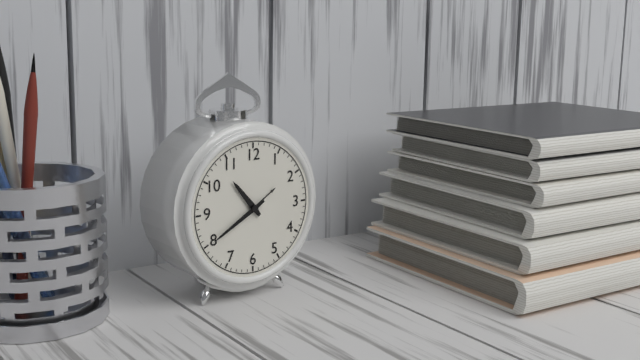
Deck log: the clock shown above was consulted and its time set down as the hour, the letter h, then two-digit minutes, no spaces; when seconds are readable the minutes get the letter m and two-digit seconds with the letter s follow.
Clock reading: 10h40
